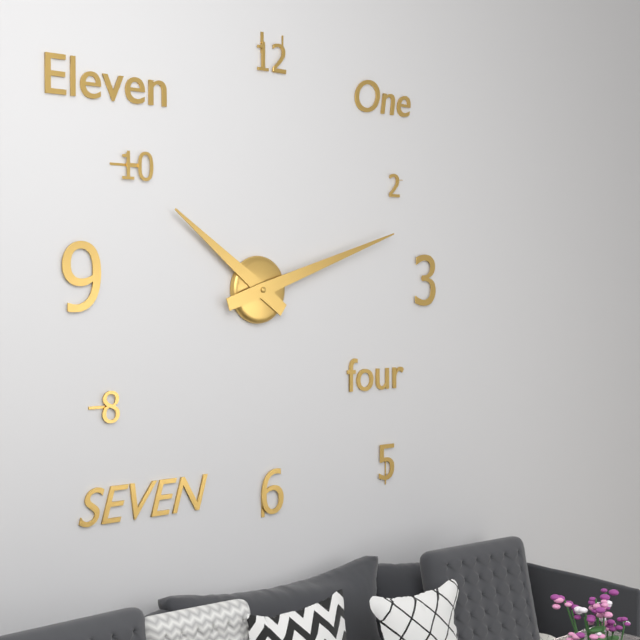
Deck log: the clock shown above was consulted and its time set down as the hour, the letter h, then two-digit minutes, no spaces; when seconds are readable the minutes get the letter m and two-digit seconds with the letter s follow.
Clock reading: 10h12
